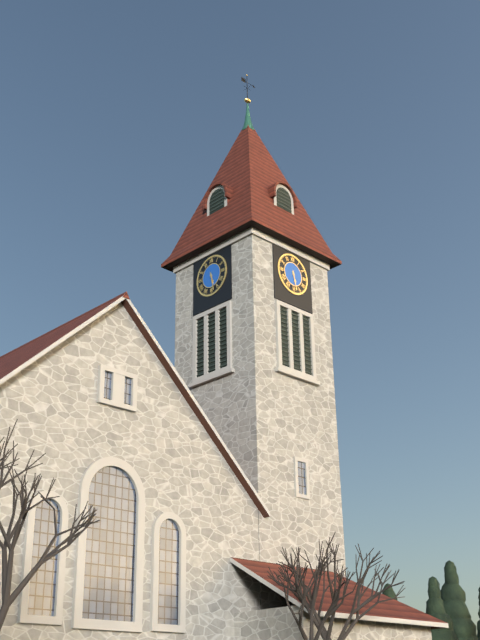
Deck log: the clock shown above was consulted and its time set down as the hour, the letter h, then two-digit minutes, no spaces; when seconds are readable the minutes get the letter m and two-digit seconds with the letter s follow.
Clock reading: 5h28
